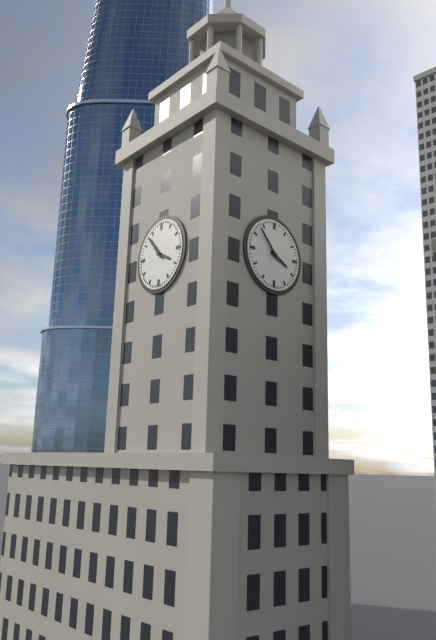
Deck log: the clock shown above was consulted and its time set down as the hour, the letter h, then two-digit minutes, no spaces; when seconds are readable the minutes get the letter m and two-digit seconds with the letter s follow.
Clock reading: 3h53
